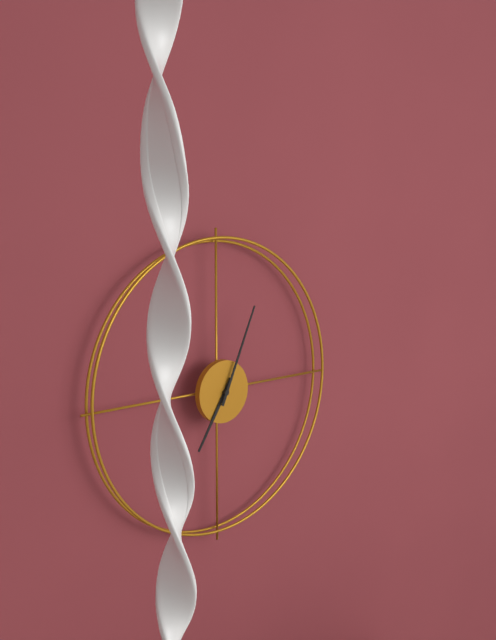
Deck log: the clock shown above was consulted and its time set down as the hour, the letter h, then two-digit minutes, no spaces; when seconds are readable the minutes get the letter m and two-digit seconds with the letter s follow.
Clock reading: 7h04
